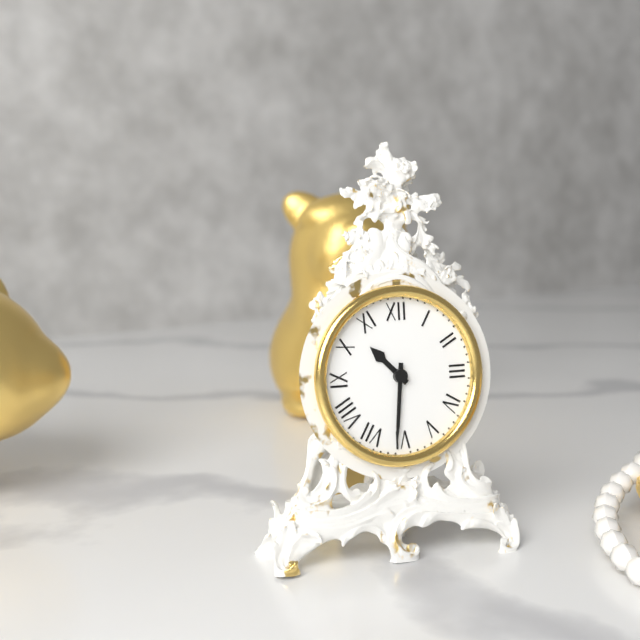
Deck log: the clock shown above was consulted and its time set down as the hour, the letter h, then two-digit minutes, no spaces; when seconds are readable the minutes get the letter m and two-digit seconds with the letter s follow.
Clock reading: 10h31
